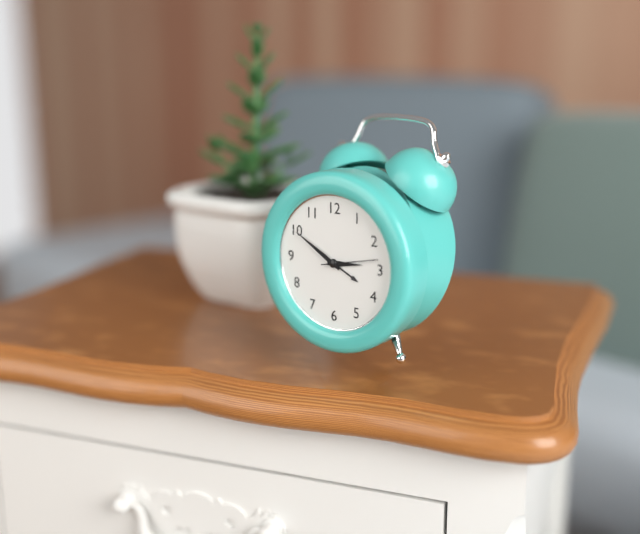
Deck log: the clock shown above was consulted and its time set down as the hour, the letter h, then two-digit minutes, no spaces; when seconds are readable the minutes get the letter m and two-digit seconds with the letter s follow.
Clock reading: 2h50m13s
